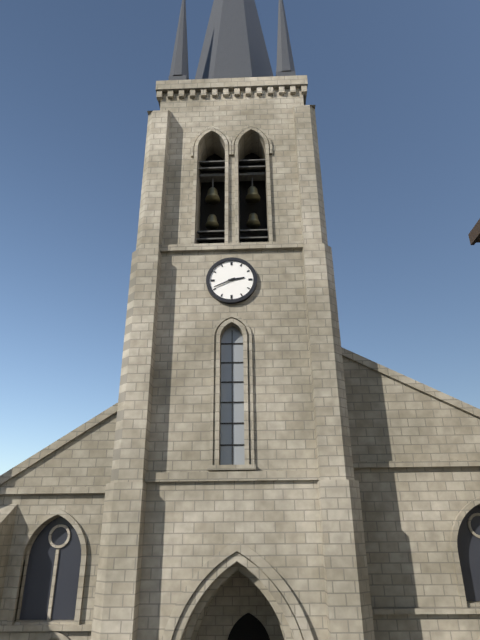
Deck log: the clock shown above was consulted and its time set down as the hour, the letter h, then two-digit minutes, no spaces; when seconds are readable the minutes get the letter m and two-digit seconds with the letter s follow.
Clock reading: 2h41
